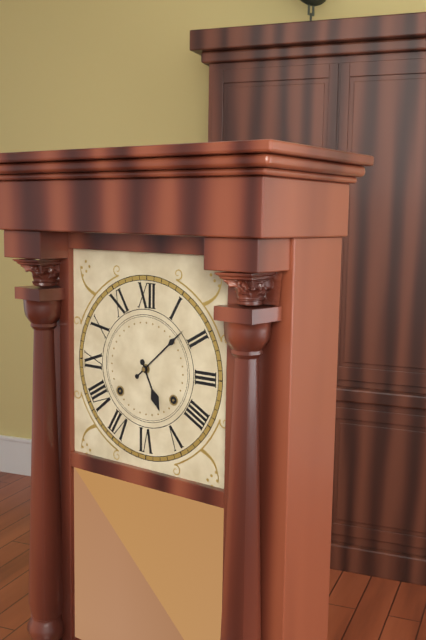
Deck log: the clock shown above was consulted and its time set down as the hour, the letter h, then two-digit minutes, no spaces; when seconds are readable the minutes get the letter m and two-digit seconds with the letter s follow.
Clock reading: 5h08
